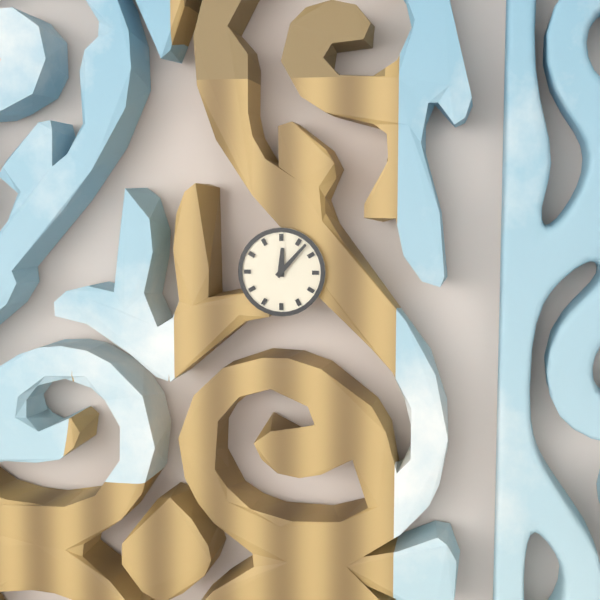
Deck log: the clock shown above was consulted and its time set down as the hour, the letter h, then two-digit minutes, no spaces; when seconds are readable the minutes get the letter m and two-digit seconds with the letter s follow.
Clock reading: 12h07
